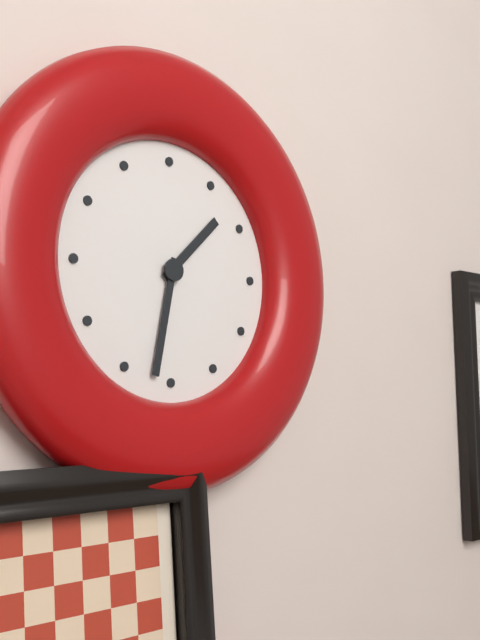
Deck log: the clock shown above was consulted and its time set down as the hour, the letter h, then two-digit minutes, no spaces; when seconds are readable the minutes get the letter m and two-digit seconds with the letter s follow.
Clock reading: 1h32
